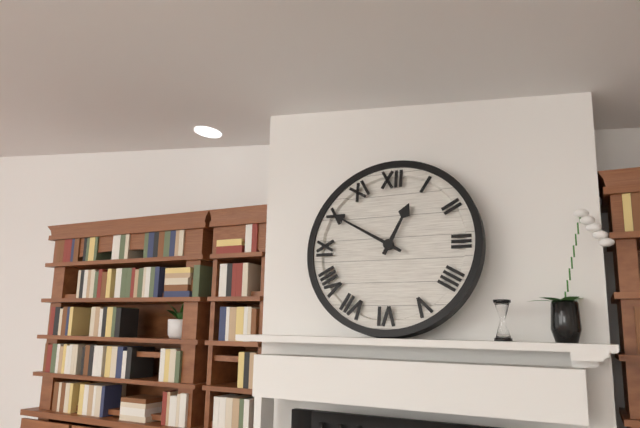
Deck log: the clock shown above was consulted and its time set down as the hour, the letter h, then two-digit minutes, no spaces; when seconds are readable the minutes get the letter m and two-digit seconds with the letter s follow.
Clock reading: 12h50
